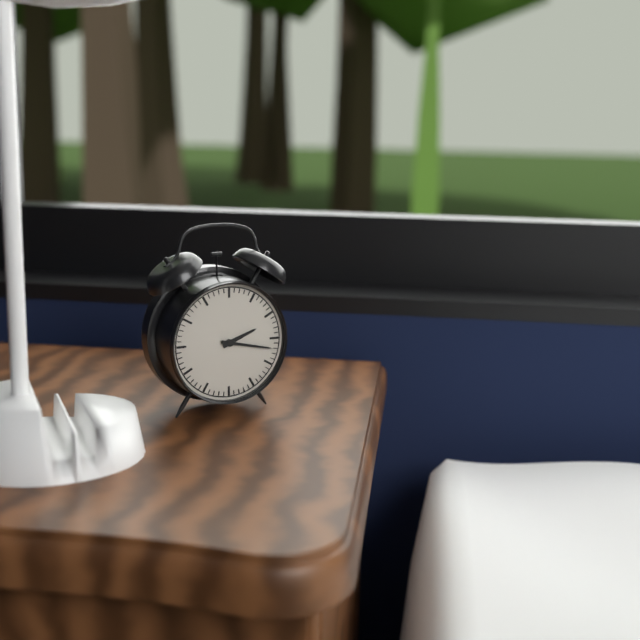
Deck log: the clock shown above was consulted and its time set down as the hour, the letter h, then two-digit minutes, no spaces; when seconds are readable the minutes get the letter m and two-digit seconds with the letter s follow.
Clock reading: 2h17
